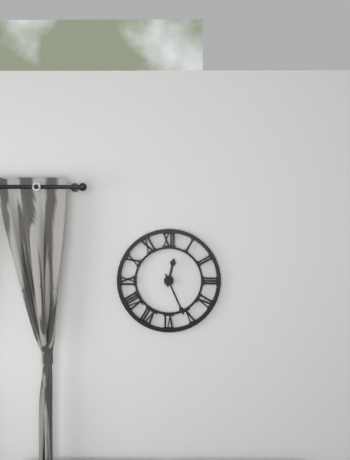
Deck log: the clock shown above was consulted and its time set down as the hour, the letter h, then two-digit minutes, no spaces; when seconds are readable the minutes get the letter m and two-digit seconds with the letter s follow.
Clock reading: 12h26
